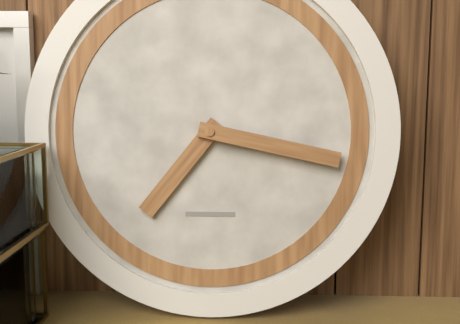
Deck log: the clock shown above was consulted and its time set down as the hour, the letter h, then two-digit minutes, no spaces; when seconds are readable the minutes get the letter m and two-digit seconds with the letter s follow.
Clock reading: 7h17
